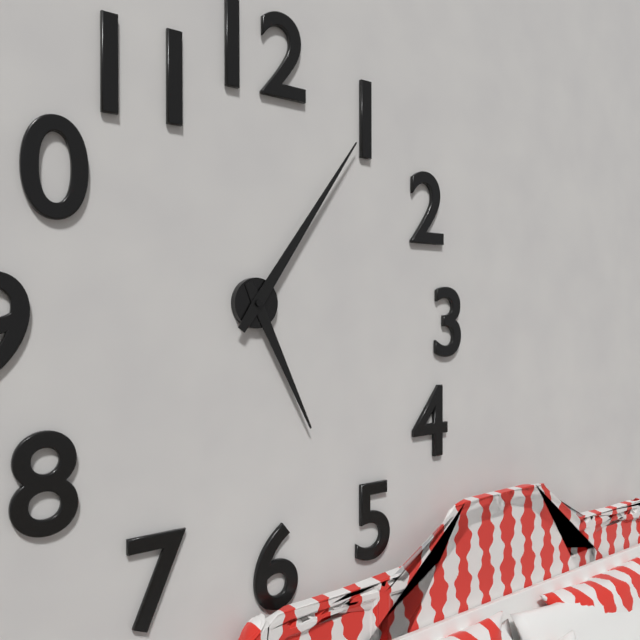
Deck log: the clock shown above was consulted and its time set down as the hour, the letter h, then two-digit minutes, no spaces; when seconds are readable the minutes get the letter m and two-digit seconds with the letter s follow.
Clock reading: 5h06
